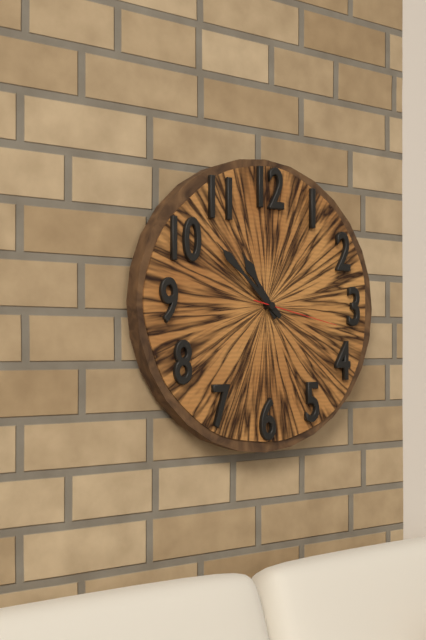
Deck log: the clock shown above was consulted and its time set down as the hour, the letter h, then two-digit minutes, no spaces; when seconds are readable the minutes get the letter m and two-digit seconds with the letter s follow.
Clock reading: 10h52m17s
